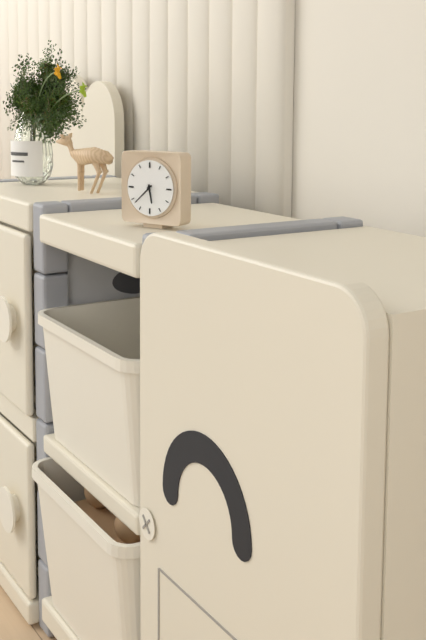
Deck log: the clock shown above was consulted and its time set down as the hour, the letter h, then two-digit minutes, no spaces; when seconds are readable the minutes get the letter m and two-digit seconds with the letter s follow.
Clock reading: 5h38
